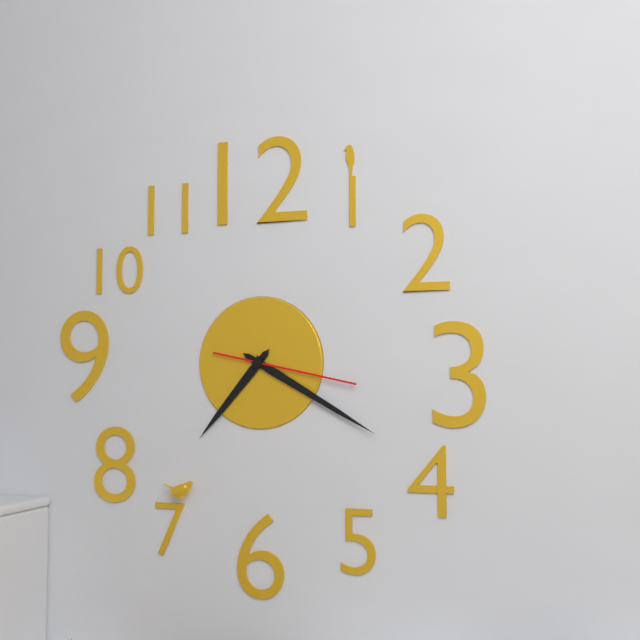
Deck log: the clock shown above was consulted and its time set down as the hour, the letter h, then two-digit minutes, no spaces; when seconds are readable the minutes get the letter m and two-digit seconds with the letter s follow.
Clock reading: 7h20m17s
